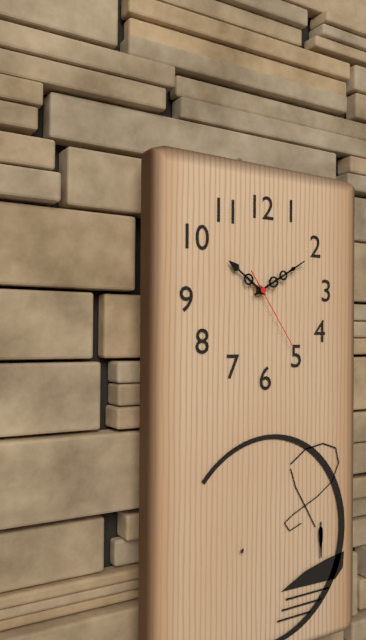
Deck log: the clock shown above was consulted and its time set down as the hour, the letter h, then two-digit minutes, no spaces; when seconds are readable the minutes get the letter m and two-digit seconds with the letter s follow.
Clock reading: 10h10m24s
